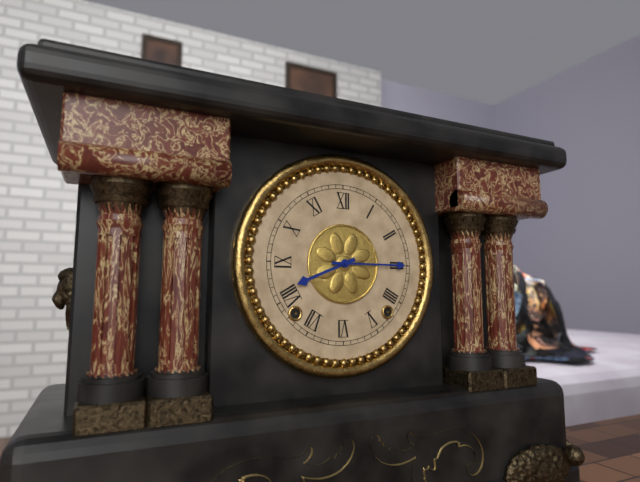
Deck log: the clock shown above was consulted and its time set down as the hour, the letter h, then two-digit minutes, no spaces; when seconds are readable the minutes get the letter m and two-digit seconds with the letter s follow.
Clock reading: 8h15
